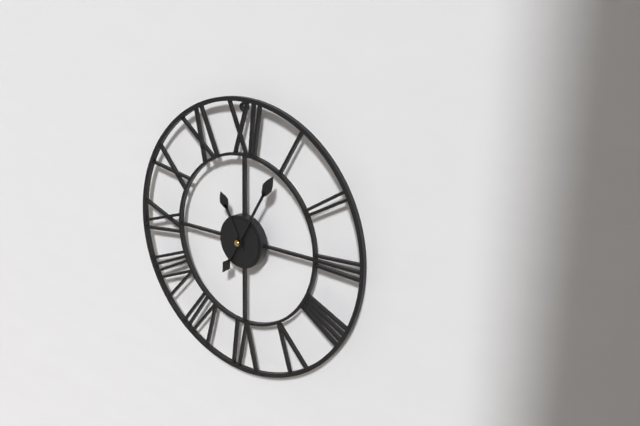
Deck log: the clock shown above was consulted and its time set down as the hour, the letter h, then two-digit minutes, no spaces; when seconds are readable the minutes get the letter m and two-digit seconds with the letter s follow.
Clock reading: 11h05
